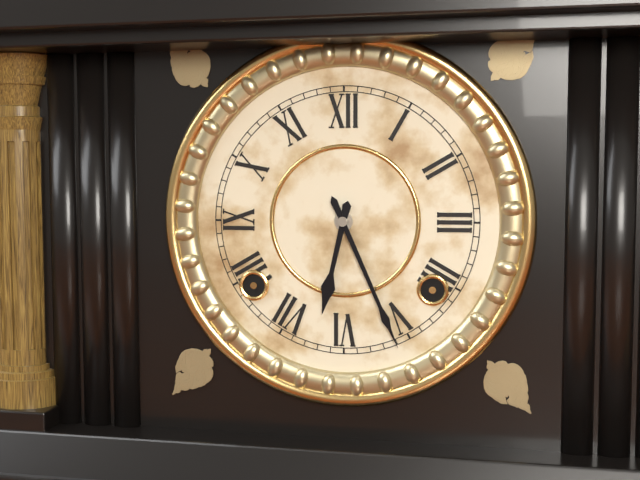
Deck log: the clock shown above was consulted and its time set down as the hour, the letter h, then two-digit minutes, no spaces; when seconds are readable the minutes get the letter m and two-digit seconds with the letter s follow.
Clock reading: 6h26
